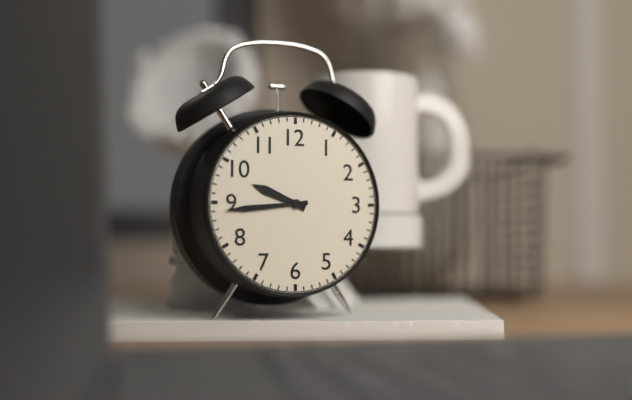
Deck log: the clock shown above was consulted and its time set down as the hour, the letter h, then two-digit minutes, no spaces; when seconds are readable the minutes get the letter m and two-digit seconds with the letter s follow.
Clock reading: 9h44
